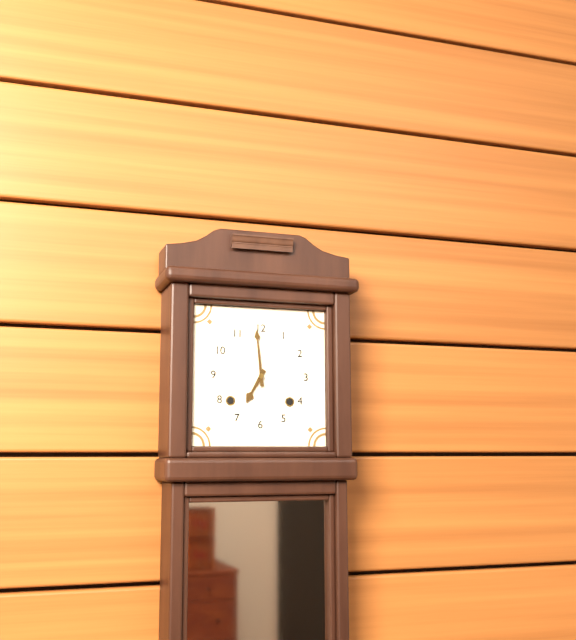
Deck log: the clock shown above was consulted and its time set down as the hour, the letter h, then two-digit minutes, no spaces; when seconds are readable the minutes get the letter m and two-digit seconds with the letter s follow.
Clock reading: 6h59
